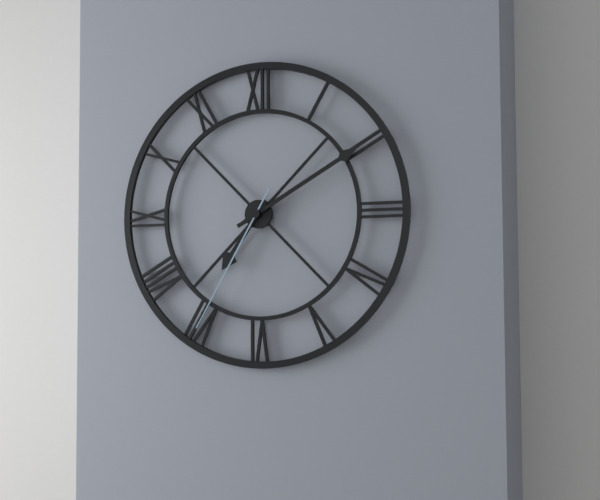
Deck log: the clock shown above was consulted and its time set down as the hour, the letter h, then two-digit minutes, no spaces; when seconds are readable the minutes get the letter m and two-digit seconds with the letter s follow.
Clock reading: 7h10m35s
